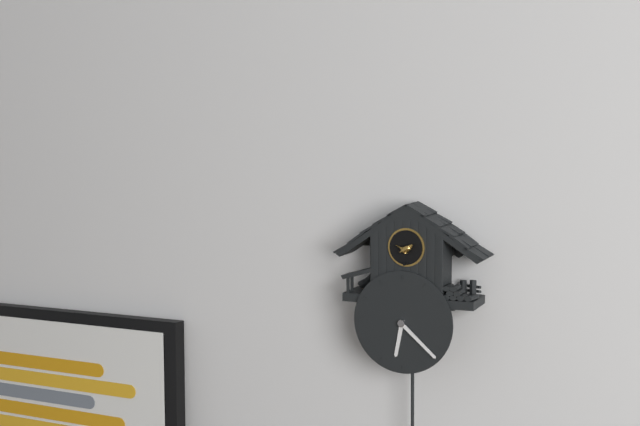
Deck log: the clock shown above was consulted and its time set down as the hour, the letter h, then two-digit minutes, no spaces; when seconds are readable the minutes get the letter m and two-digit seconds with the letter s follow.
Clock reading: 6h22
